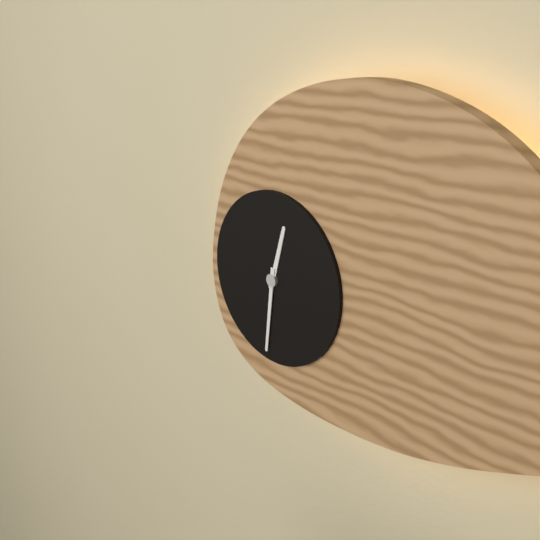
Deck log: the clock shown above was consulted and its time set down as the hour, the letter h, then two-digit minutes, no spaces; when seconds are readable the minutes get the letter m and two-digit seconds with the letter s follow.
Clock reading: 12h31
